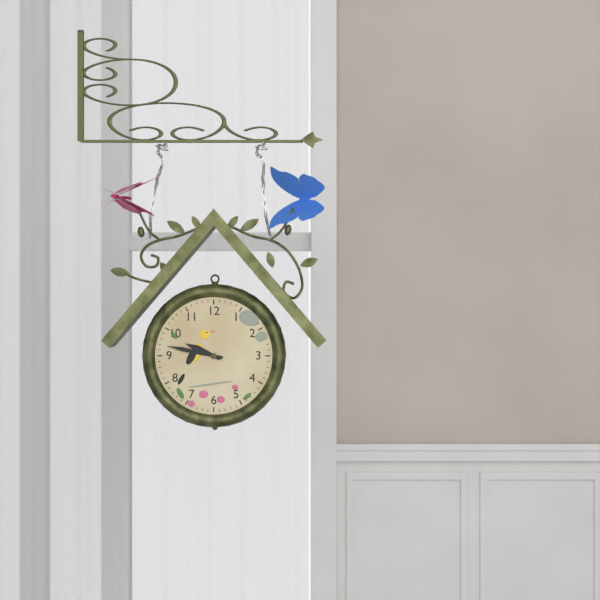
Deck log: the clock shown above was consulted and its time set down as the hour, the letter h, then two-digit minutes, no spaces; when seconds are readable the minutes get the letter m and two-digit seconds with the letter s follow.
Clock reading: 9h47
